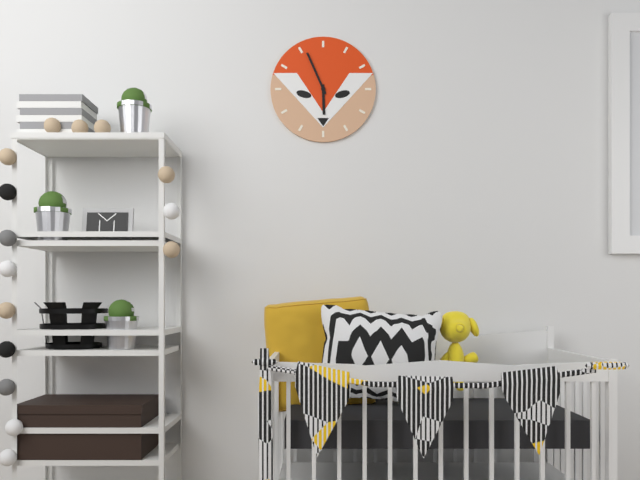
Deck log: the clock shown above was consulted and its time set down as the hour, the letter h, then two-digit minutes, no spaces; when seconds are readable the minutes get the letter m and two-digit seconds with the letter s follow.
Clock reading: 5h56
